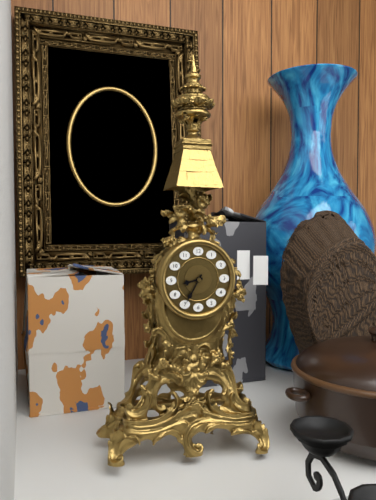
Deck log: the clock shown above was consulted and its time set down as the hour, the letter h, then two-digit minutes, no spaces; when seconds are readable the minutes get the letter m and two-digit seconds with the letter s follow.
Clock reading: 8h35
